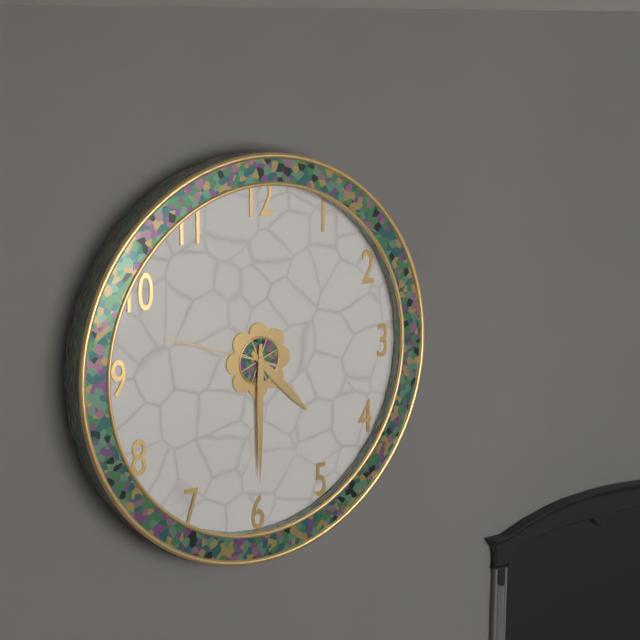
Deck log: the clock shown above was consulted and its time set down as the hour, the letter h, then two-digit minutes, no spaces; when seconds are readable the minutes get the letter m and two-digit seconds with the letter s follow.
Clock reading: 4h30m48s
